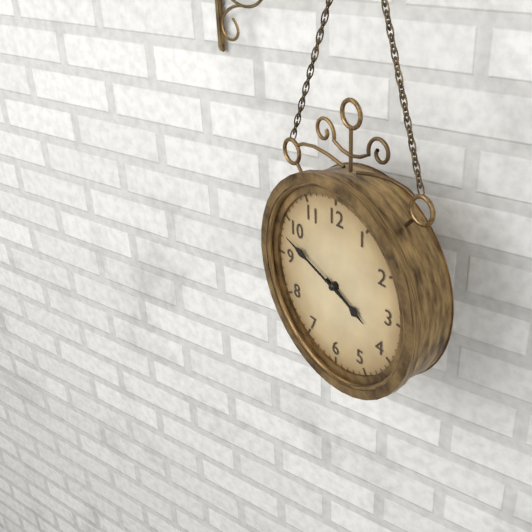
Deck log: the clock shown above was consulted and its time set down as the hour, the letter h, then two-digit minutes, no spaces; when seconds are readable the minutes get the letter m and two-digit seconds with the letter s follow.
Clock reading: 3h48
